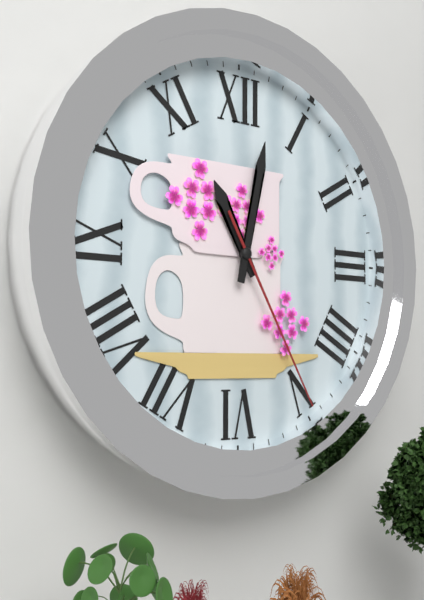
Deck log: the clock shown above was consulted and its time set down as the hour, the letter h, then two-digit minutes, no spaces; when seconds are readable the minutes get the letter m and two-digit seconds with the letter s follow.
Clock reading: 11h02m25s
